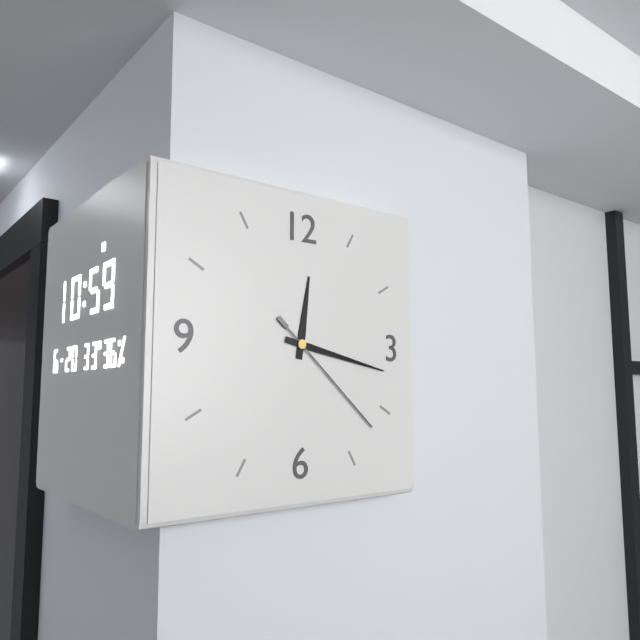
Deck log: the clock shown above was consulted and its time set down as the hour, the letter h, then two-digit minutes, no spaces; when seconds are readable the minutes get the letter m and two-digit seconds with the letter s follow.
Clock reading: 12h17m22s
